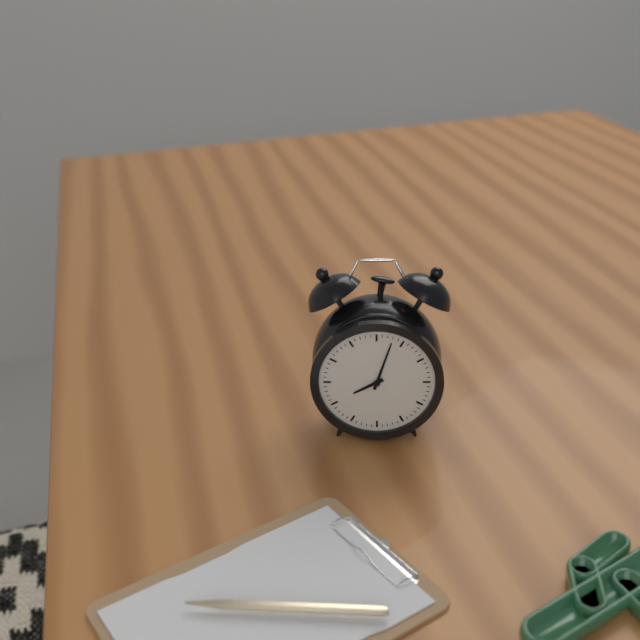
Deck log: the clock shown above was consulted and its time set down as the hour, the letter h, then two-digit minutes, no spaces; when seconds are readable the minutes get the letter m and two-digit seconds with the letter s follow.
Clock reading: 8h03
